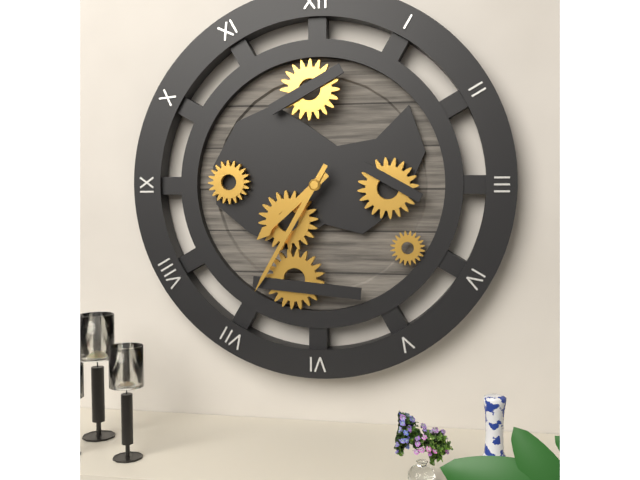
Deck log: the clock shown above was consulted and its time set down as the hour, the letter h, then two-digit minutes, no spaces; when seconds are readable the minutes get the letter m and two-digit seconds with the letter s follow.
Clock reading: 7h35
